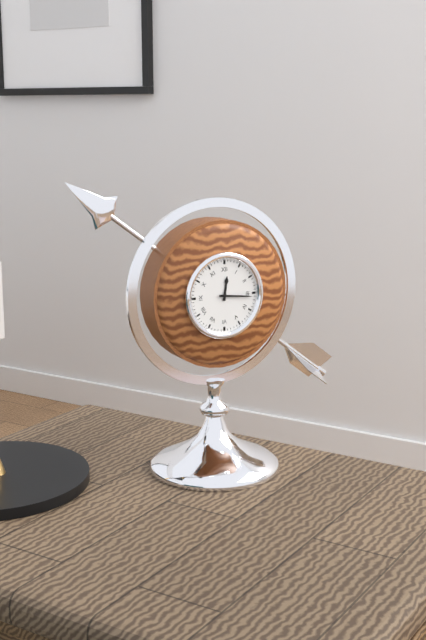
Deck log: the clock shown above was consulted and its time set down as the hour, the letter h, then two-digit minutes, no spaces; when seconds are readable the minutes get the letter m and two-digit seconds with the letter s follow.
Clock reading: 12h16
